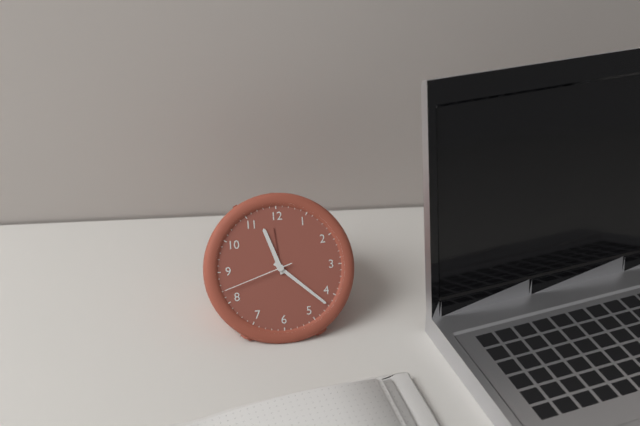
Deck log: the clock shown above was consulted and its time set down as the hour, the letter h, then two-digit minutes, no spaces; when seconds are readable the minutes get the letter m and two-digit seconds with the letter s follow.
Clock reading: 11h22m42s
